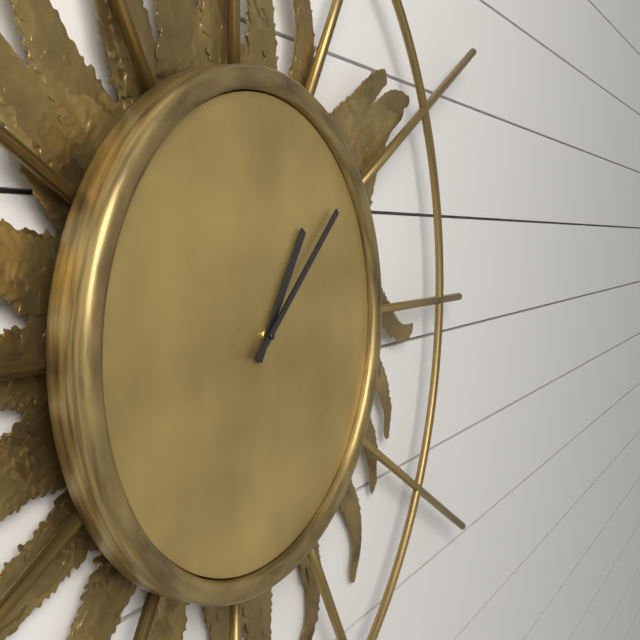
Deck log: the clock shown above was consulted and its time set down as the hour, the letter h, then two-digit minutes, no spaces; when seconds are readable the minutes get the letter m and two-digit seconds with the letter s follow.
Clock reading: 1h08
